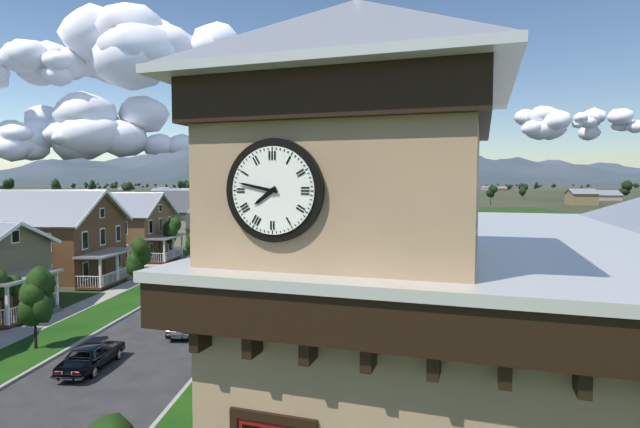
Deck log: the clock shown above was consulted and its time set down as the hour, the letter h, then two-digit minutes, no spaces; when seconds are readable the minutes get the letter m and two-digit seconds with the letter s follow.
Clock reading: 7h47
